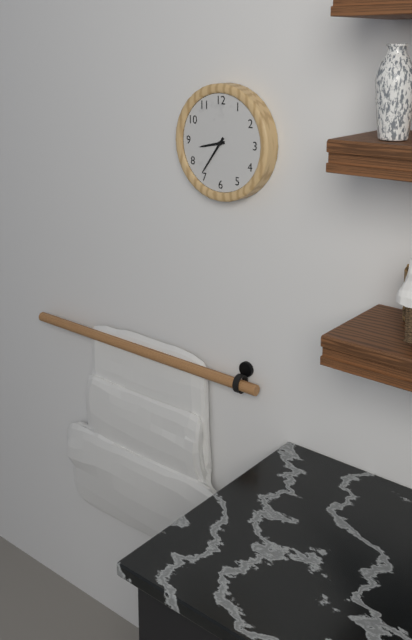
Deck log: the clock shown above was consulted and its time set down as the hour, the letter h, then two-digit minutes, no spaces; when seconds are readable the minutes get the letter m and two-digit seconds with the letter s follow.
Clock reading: 8h36
